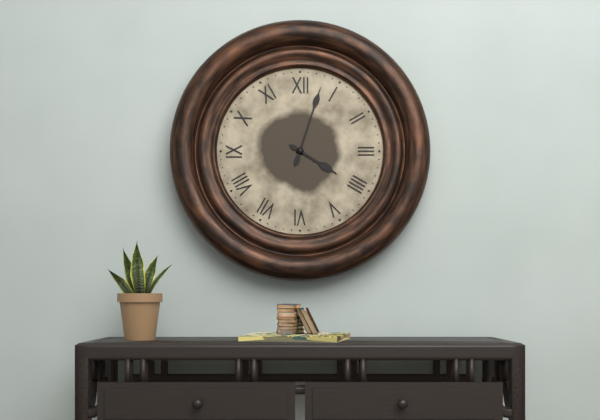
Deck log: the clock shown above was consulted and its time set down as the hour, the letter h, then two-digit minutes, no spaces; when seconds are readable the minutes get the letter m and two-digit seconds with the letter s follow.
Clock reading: 4h03
